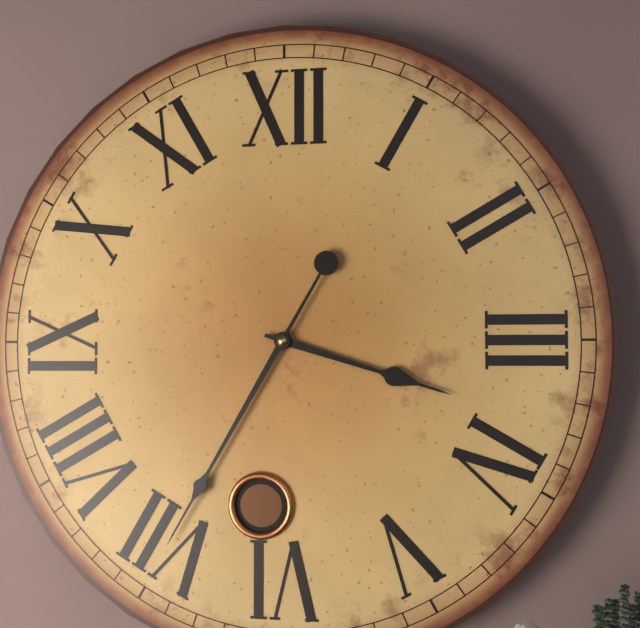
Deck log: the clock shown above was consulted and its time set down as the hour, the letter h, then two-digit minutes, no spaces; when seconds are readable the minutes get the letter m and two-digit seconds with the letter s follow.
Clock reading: 3h35
